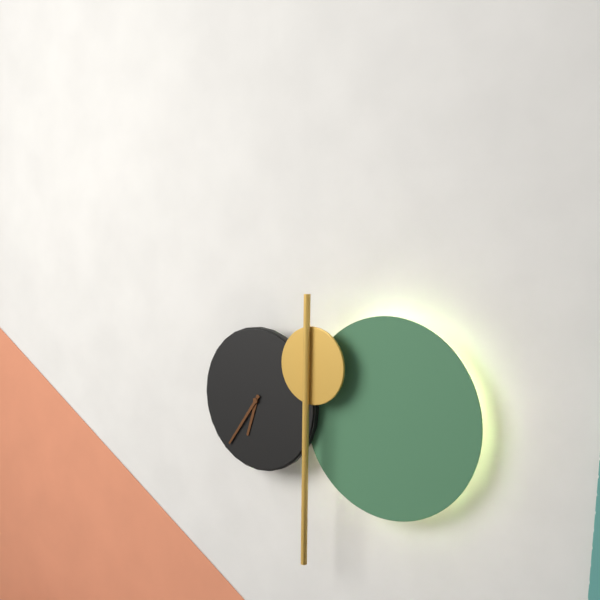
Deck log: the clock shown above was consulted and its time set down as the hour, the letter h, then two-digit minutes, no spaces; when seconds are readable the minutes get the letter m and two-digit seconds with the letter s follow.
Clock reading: 6h36
